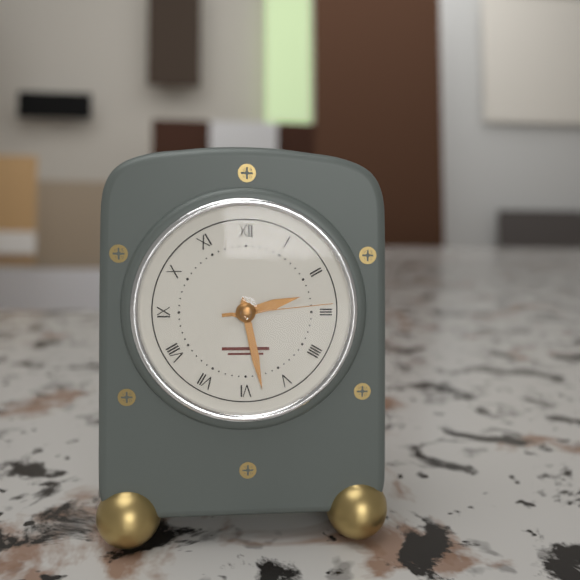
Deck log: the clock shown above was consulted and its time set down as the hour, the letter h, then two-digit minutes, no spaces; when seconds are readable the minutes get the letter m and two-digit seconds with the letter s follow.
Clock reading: 2h28m14s
